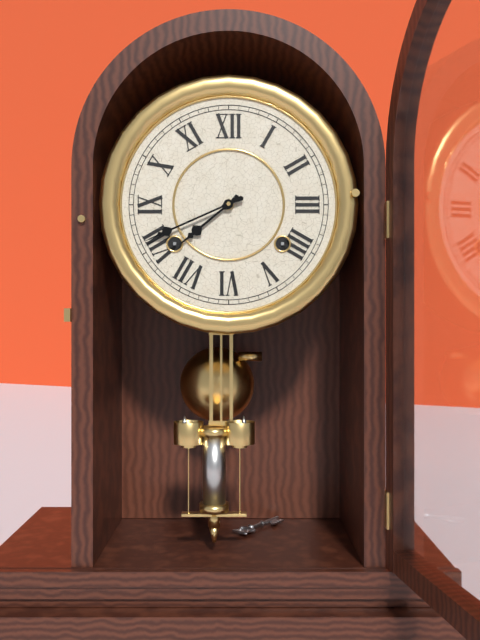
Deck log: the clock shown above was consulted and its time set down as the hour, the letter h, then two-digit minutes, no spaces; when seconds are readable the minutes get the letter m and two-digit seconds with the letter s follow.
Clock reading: 7h41
